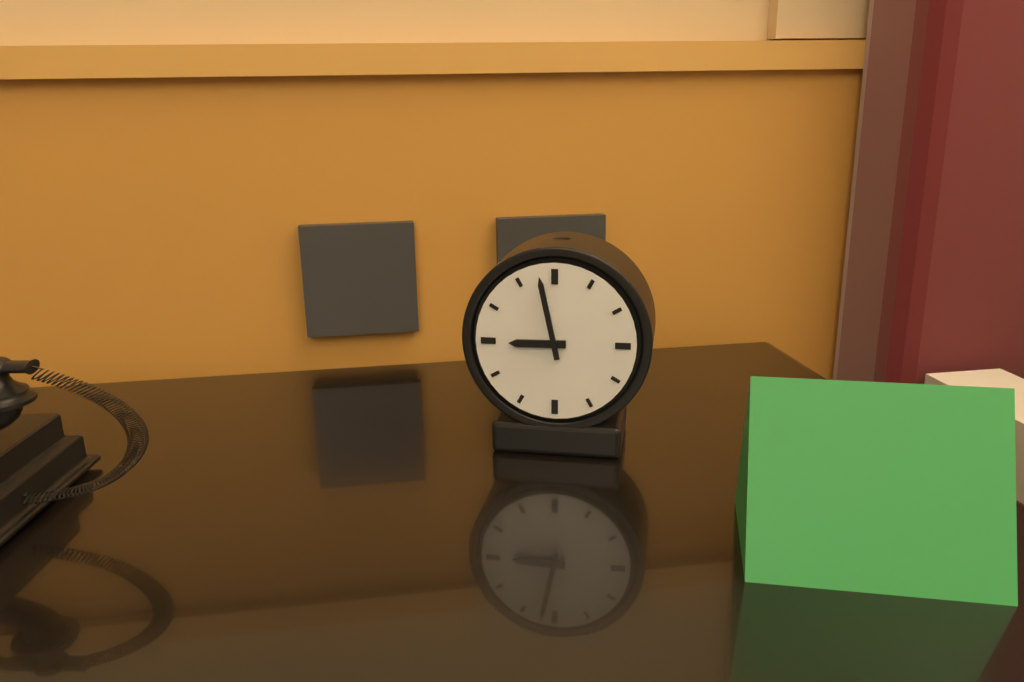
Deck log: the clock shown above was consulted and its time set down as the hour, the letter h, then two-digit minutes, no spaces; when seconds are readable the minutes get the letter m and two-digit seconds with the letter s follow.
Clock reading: 8h58
